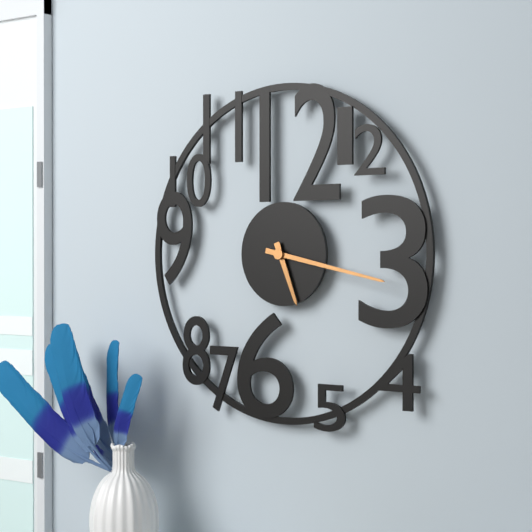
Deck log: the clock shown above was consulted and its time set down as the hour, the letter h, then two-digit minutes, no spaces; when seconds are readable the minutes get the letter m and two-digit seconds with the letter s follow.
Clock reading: 5h17
